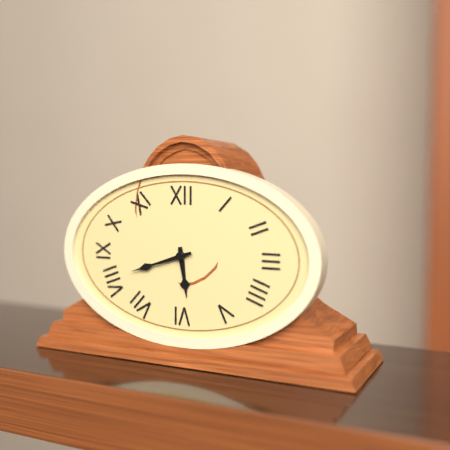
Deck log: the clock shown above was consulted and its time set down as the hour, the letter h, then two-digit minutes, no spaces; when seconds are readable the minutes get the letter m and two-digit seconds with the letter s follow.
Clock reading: 5h42
